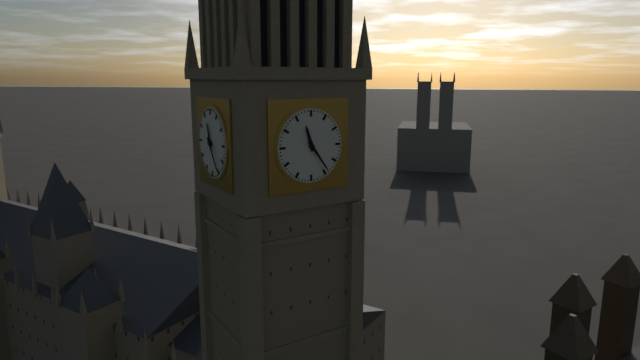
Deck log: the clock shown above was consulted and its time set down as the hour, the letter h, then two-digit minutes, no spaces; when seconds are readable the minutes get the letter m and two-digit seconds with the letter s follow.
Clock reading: 11h24
